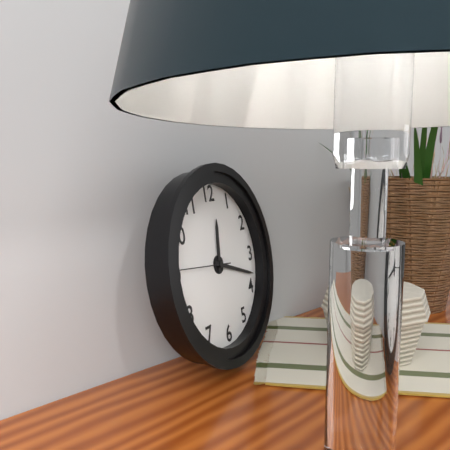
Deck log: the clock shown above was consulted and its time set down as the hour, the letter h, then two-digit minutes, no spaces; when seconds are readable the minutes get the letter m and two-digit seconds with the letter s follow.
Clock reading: 12h18m46s
